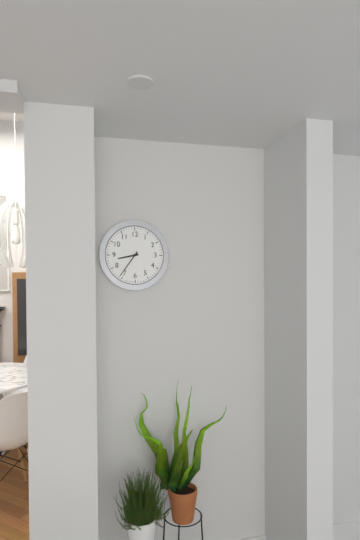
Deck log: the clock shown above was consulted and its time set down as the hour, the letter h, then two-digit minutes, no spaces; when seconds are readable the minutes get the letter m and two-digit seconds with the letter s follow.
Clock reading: 8h36
